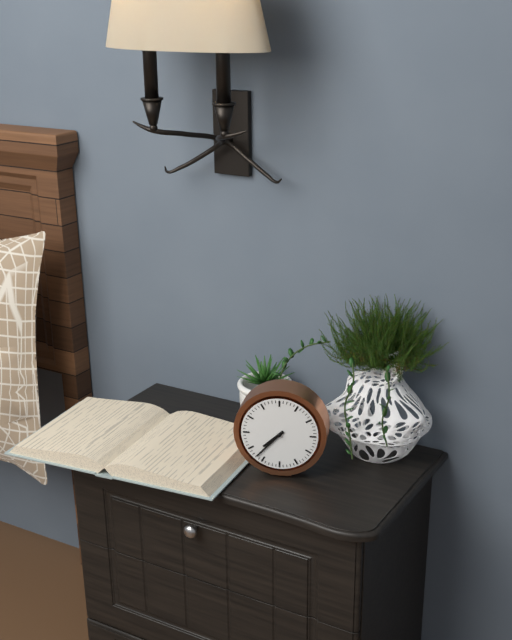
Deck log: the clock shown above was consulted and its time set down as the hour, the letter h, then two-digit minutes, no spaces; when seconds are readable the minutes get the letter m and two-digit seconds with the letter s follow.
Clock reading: 7h37
